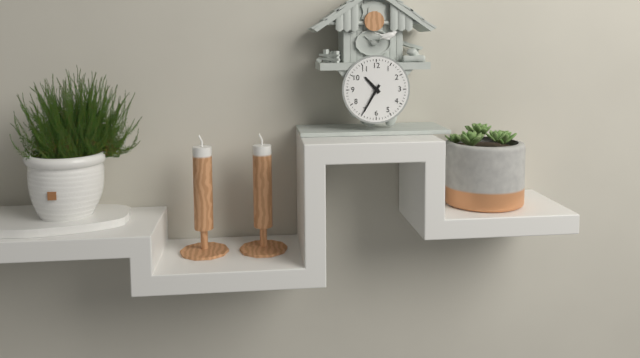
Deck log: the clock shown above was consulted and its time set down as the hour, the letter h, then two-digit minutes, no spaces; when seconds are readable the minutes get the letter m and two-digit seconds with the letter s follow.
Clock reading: 10h35
